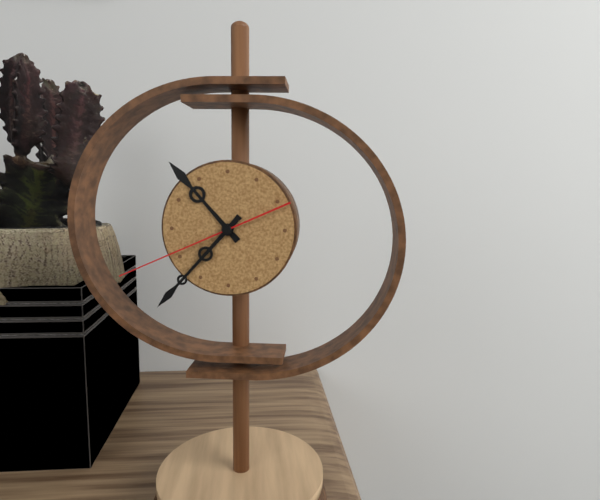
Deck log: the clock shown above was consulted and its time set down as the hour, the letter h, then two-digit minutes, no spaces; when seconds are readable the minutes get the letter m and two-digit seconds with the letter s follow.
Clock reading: 10h37m41s
